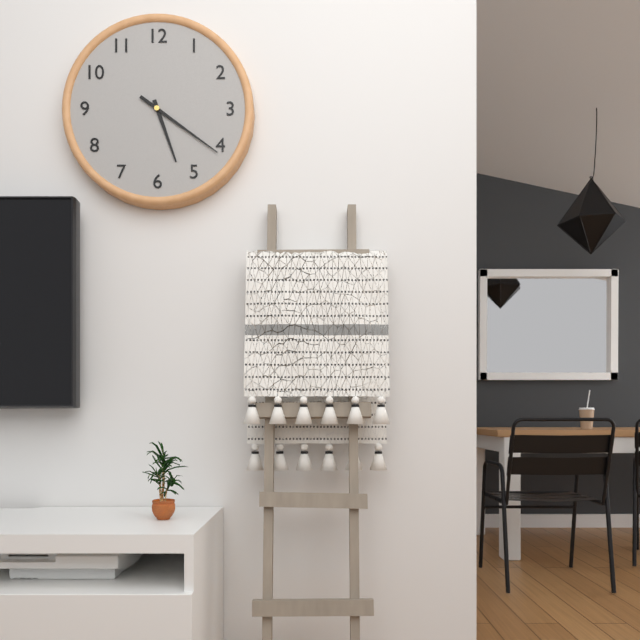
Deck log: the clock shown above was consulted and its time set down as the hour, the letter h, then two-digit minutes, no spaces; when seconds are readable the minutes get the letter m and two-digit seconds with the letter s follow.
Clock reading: 5h21
